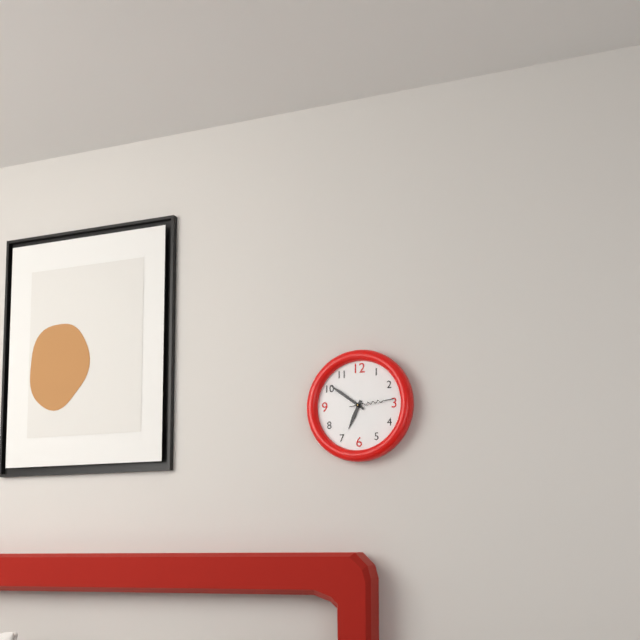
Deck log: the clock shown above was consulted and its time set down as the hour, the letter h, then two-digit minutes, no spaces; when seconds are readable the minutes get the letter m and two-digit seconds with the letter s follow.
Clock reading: 6h51
